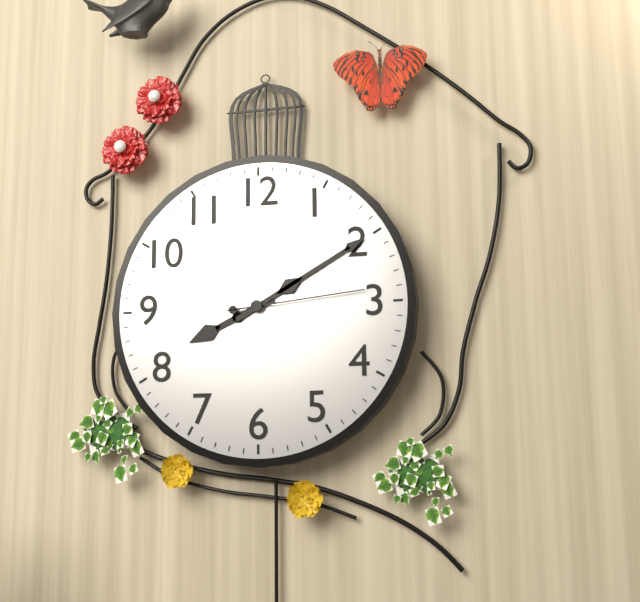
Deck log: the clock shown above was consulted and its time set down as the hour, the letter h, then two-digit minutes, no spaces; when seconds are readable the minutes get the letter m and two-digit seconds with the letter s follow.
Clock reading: 8h10m14s
